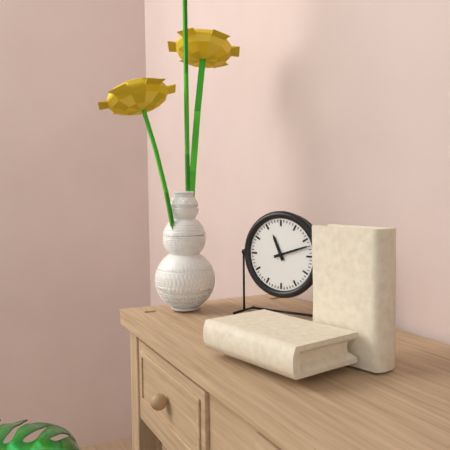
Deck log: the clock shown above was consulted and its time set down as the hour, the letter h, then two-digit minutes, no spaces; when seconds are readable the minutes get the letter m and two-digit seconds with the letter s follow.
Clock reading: 11h12
